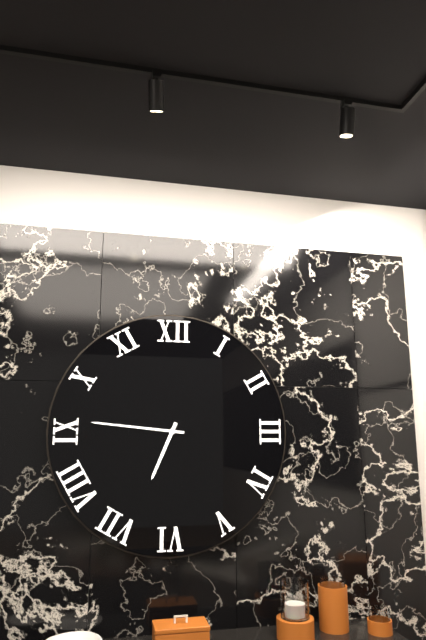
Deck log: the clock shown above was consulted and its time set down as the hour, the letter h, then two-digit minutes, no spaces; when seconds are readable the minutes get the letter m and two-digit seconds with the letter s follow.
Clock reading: 6h46
